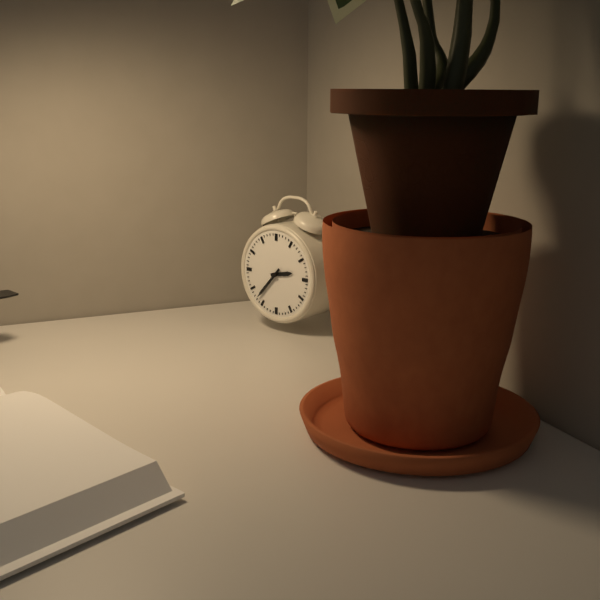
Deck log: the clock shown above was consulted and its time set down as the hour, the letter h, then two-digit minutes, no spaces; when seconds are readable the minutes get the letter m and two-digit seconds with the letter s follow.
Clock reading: 2h37
